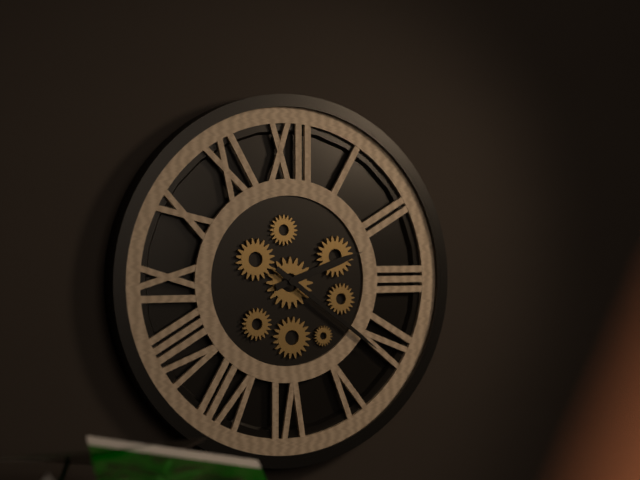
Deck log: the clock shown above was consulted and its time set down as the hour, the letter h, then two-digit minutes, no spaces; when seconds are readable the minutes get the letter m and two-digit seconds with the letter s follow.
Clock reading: 2h21
